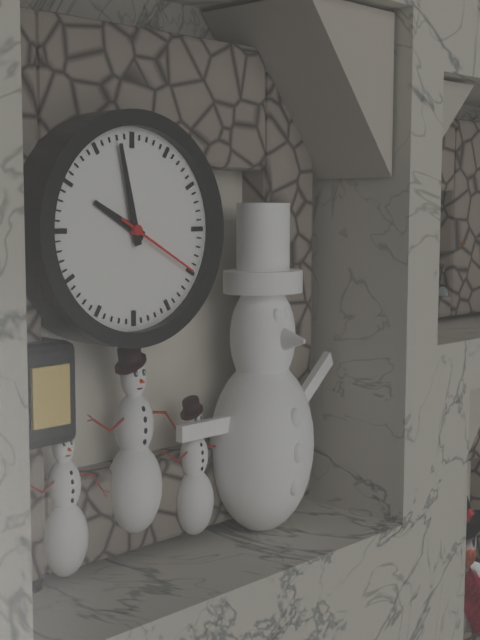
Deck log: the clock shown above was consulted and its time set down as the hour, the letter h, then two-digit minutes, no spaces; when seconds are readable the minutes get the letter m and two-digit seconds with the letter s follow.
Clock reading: 9h58m20s
